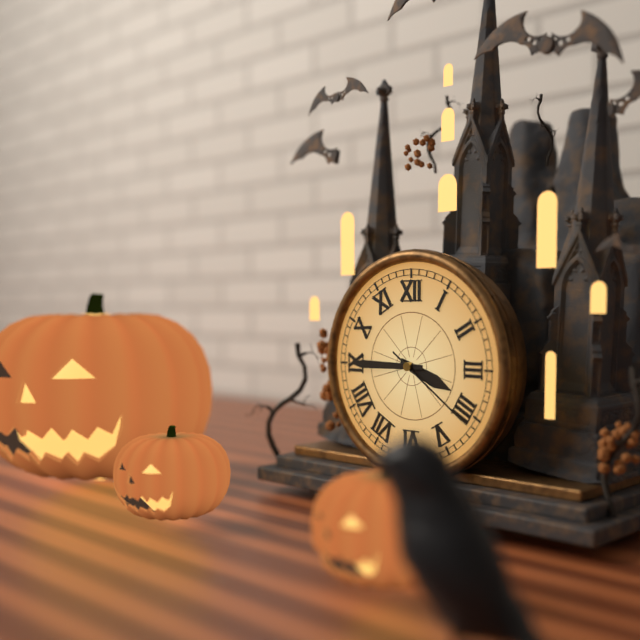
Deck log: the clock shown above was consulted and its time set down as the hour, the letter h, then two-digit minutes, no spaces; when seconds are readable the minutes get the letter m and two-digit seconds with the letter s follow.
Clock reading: 3h45m21s
